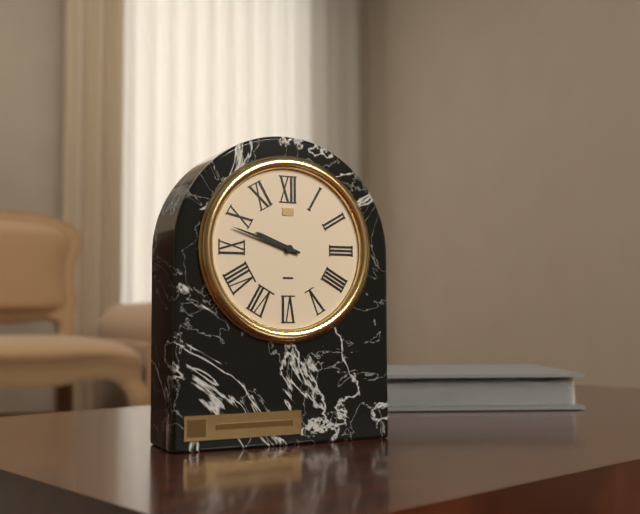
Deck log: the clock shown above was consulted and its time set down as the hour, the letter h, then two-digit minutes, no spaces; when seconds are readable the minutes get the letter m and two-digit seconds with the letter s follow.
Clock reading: 9h48
